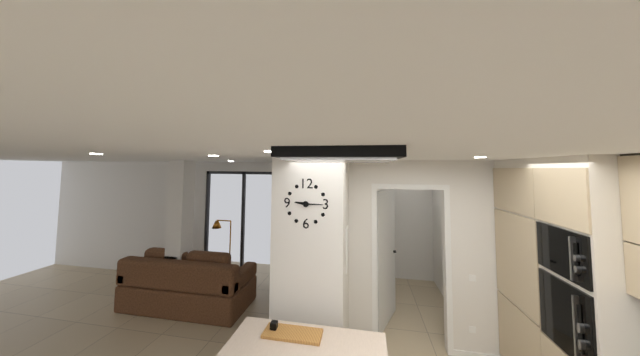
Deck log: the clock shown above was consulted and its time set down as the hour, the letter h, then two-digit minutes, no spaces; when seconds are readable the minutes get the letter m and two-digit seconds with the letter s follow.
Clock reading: 9h15
